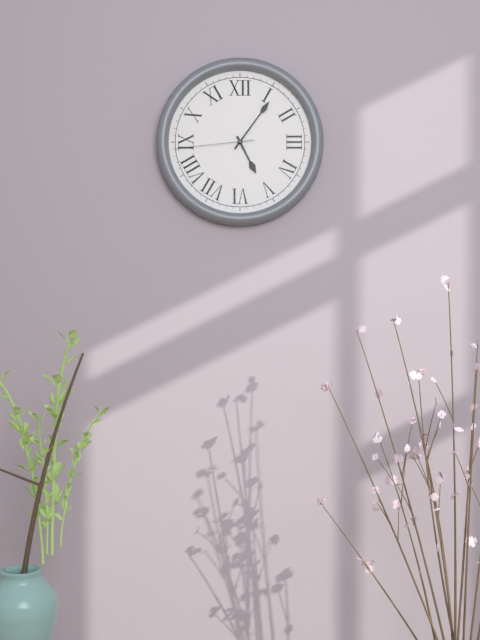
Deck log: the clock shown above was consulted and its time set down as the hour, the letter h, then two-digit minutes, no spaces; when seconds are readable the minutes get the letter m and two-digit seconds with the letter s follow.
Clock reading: 5h06m44s
